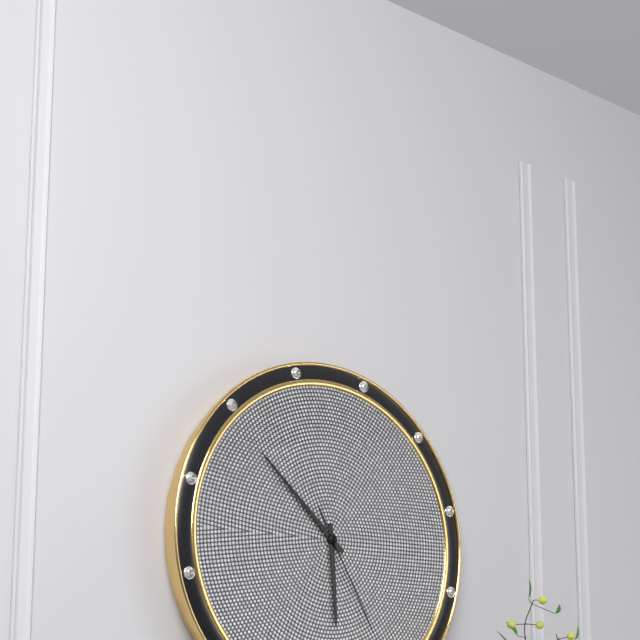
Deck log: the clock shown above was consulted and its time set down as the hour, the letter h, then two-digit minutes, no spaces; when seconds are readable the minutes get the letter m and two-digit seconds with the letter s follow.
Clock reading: 5h52m25s
